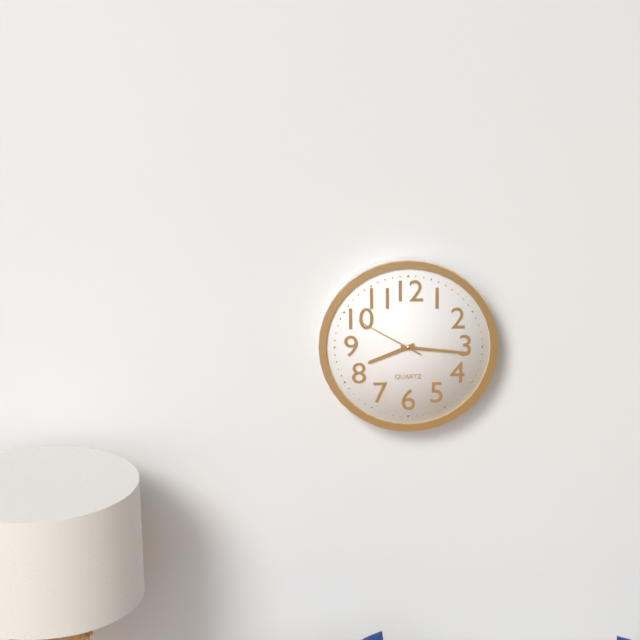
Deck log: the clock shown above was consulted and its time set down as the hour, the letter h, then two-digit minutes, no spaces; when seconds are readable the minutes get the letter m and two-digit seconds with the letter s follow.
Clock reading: 8h16m50s
